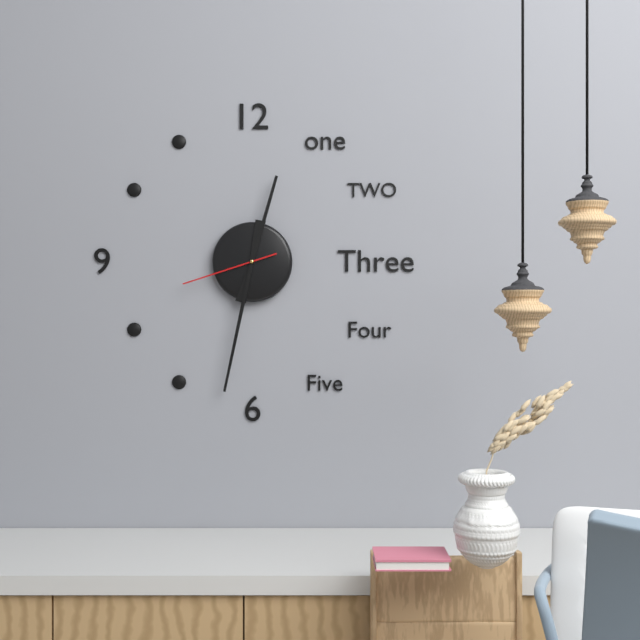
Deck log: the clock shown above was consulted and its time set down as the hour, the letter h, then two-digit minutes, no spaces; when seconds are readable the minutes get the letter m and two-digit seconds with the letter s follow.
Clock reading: 12h32m42s
